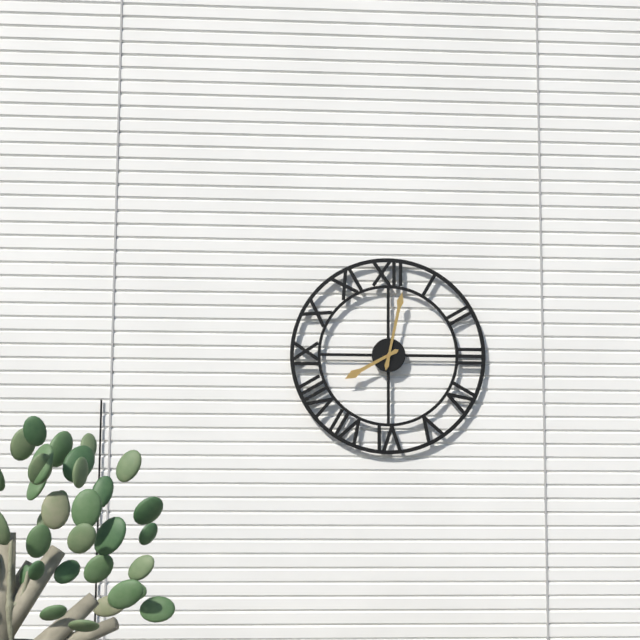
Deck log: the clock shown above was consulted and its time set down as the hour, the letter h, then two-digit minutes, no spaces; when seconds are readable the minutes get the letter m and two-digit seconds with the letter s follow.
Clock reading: 8h02
